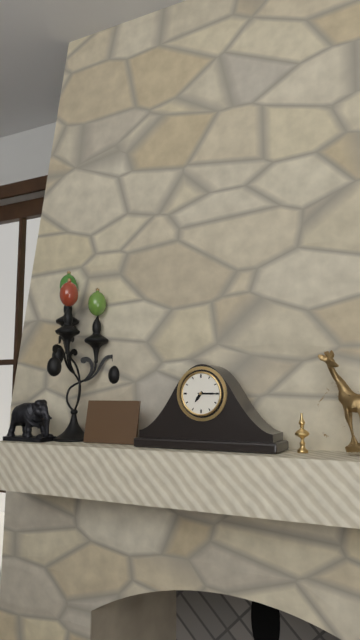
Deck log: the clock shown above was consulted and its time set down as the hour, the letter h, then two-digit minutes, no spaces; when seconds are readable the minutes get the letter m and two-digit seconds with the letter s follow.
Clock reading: 7h15
